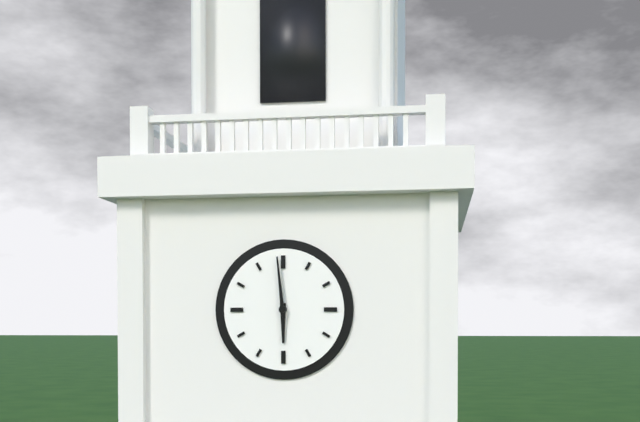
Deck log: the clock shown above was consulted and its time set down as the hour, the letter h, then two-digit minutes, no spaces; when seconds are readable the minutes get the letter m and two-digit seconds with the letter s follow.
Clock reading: 5h59
